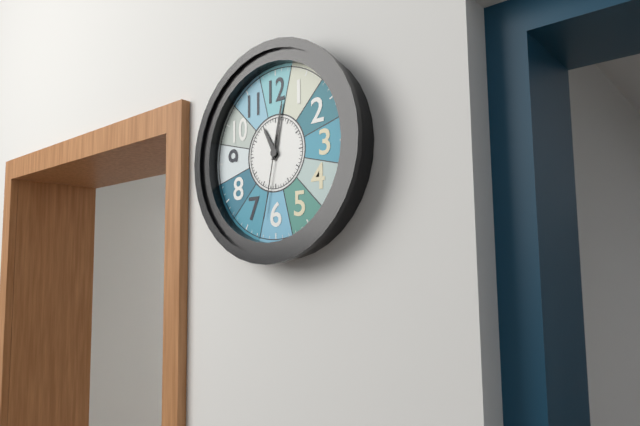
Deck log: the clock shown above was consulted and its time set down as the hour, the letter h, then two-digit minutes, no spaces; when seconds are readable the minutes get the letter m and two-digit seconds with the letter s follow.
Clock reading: 11h02m32s
